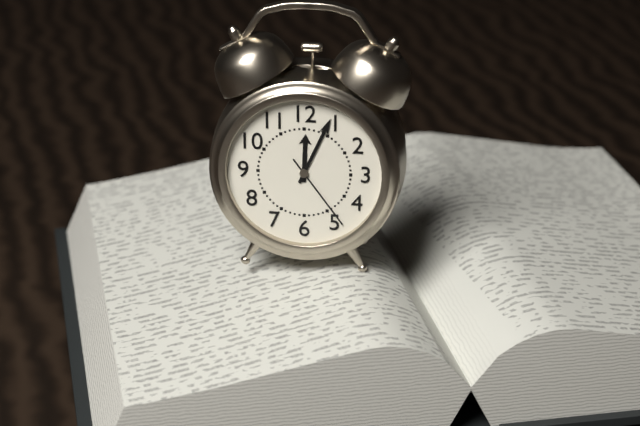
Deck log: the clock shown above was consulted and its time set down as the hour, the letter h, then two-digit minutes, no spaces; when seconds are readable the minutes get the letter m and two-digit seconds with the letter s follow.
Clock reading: 12h04m24s
